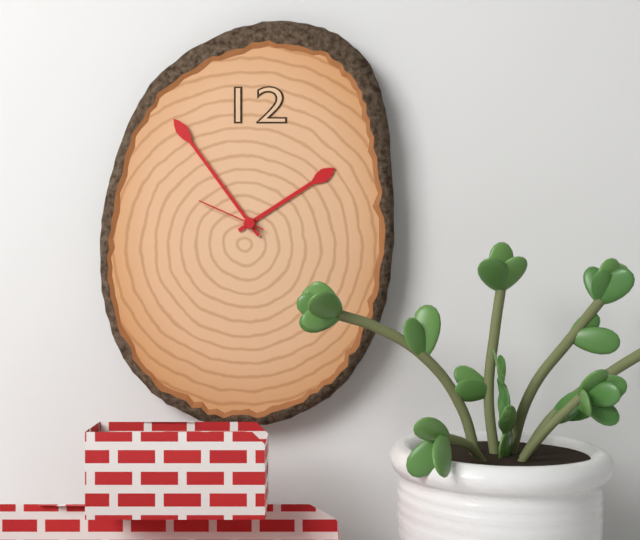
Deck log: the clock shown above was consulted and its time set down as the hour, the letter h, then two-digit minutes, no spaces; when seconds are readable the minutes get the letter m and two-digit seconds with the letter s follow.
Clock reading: 1h54m49s
